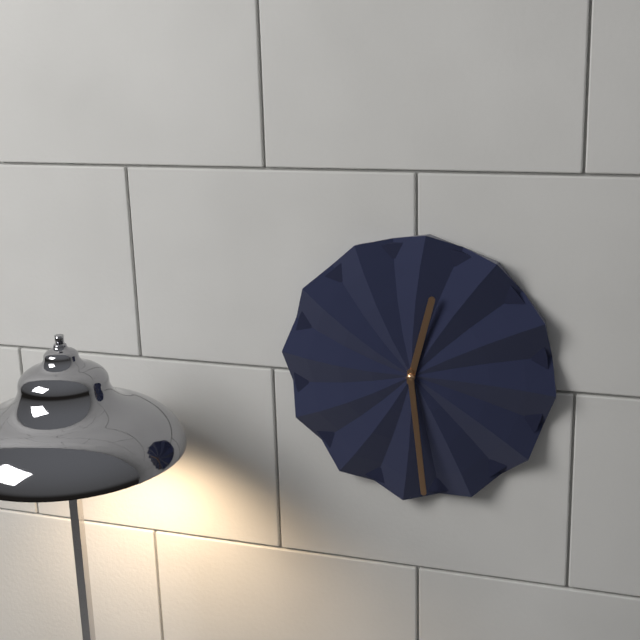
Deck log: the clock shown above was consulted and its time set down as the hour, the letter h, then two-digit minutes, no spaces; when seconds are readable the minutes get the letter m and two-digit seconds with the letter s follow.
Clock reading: 12h29
